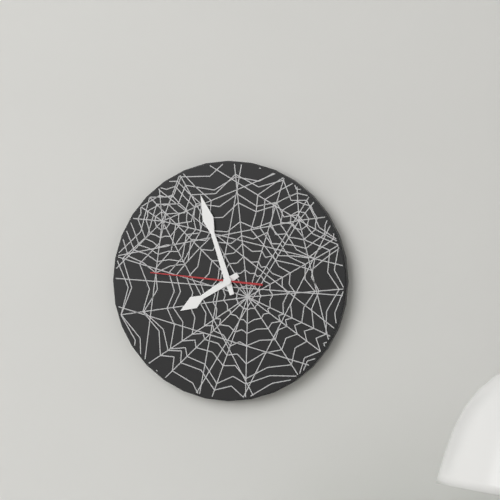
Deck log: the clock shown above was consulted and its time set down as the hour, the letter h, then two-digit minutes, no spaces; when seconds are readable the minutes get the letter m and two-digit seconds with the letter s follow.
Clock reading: 7h57m46s
